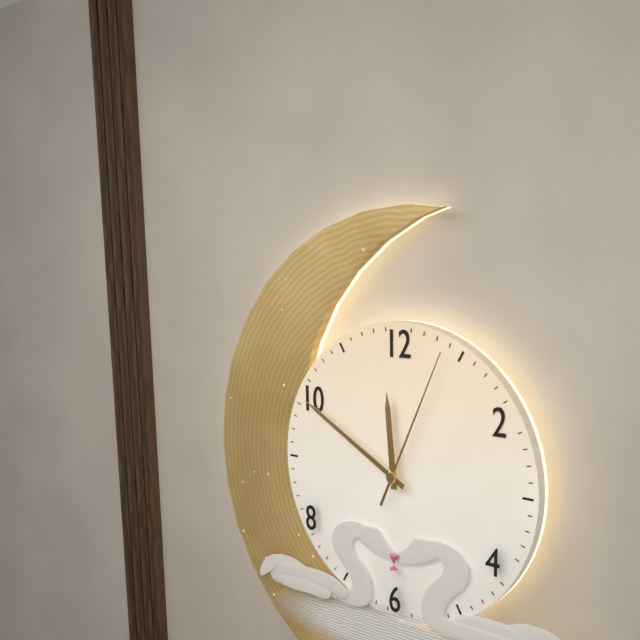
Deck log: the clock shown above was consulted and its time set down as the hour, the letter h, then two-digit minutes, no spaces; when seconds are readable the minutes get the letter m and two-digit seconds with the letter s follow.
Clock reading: 11h50m04s
